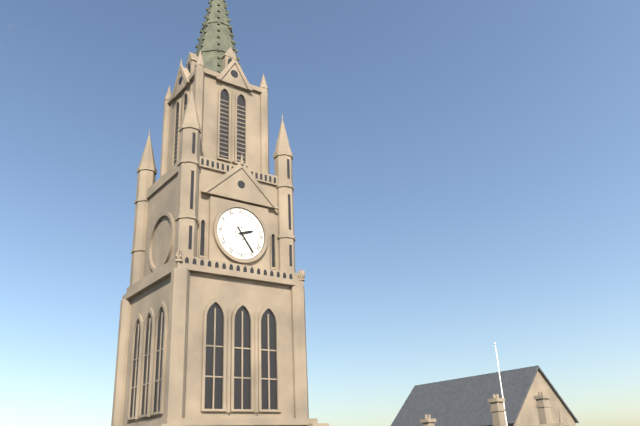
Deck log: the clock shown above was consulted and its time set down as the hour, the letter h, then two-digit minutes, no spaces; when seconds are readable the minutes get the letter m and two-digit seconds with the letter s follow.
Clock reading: 2h24
